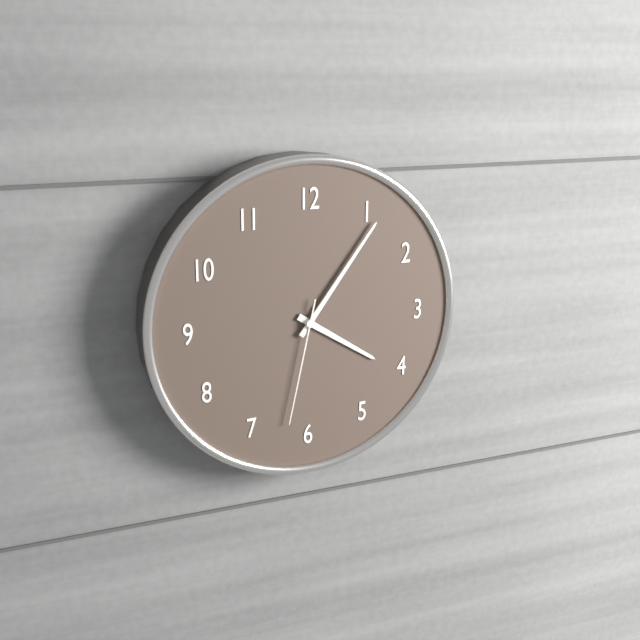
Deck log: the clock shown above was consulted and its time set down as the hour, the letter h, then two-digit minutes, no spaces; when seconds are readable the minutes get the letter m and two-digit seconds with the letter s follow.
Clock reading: 4h06m32s
